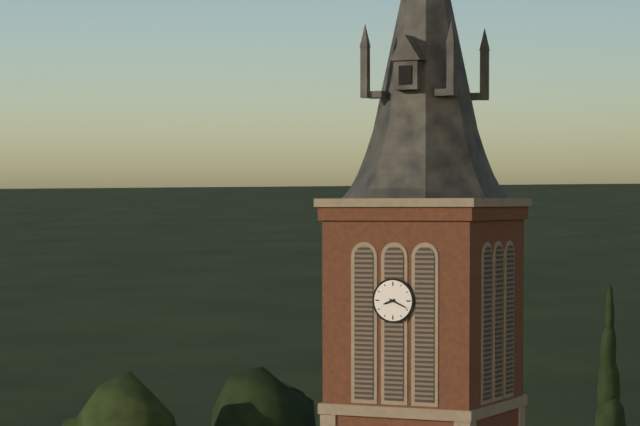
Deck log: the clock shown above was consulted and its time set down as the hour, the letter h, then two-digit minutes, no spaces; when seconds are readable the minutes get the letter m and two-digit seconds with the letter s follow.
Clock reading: 8h19
